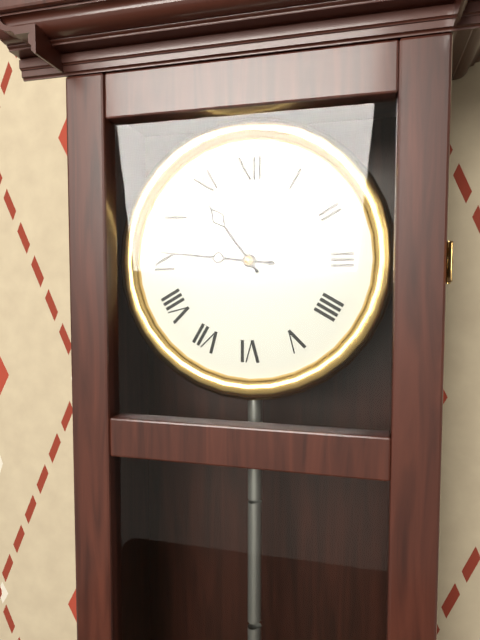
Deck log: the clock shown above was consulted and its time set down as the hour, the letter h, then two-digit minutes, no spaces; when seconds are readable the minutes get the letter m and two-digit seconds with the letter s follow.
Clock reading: 10h46
